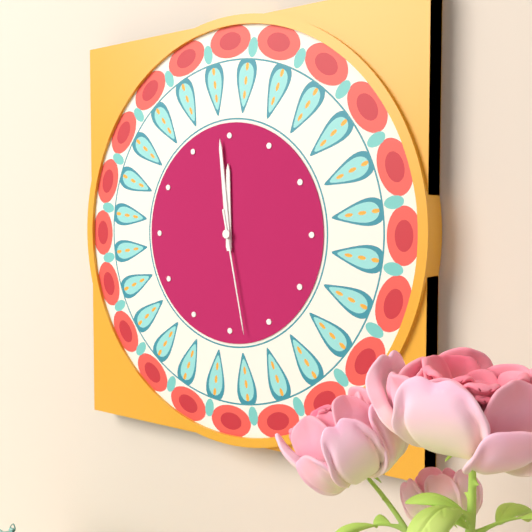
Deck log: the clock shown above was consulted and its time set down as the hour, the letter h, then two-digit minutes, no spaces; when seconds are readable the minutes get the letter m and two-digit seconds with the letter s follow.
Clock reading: 11h59m28s
